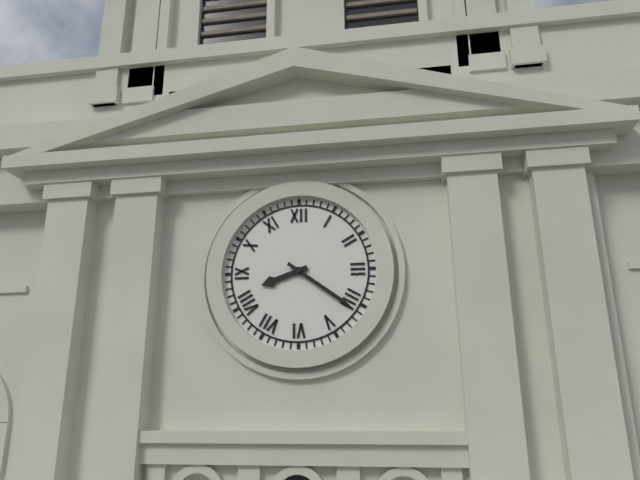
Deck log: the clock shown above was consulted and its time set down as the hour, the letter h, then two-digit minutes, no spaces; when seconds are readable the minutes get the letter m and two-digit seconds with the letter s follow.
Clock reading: 8h21
